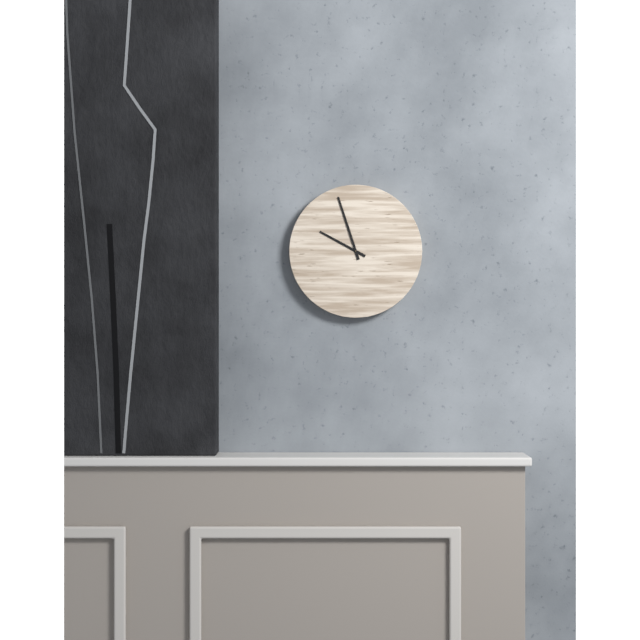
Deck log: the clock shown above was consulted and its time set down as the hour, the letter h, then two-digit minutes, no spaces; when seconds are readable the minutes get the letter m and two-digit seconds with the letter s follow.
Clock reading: 9h57
